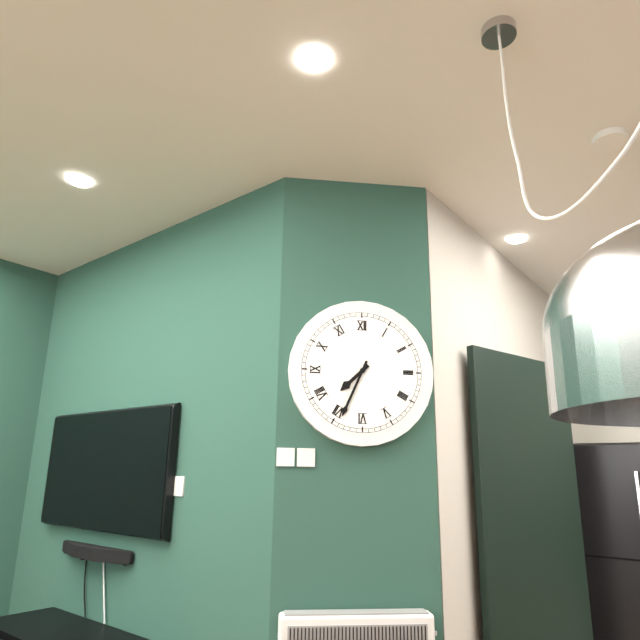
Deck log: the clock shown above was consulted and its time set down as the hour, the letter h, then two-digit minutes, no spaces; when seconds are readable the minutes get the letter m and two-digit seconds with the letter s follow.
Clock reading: 7h34
